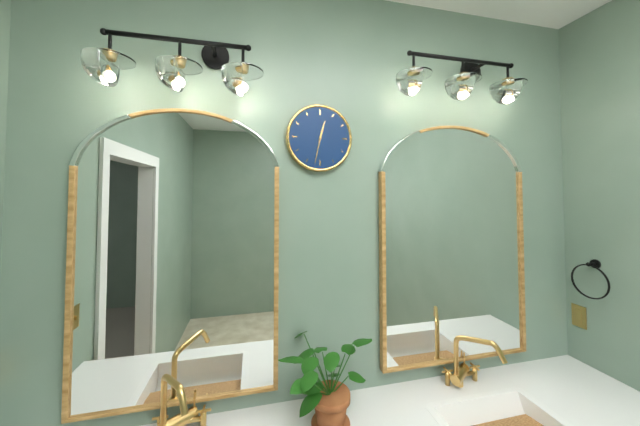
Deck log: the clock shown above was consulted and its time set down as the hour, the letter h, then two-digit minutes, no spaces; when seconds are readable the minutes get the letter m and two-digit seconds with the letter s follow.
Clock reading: 12h32
